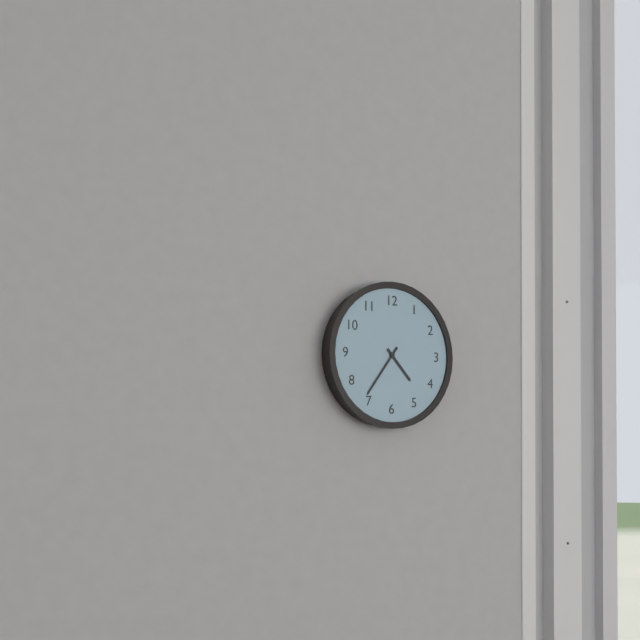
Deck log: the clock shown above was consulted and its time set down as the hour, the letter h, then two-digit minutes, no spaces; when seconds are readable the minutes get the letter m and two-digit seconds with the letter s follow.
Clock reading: 4h36
